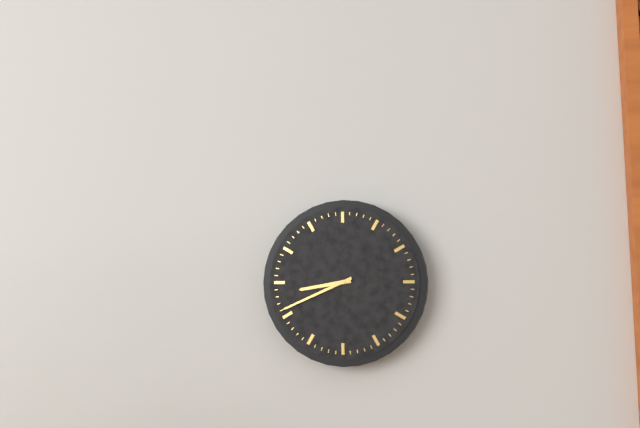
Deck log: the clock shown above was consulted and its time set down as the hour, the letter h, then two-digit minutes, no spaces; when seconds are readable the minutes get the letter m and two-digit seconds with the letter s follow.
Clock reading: 8h41
